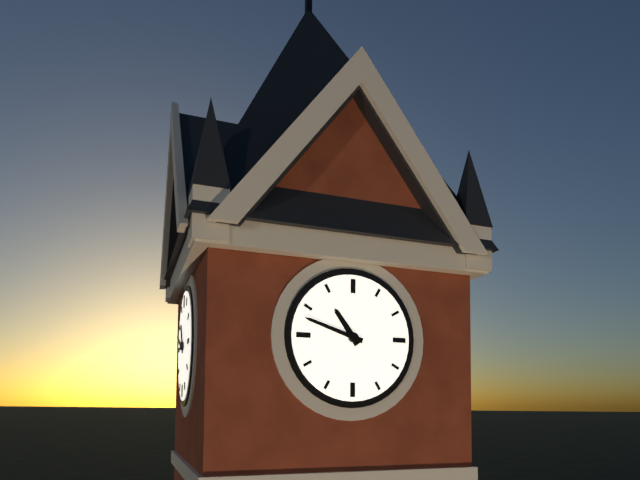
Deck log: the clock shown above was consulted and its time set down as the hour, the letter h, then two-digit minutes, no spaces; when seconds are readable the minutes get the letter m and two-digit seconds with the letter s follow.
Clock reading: 10h48
